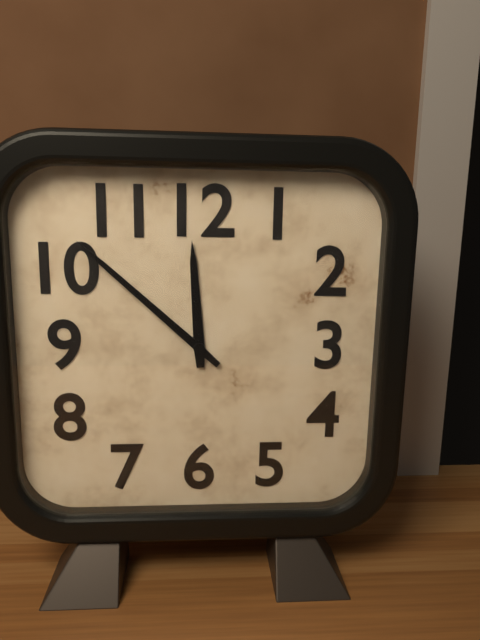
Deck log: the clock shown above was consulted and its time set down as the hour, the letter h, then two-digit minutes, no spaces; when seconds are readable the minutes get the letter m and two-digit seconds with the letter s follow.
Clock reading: 11h52
